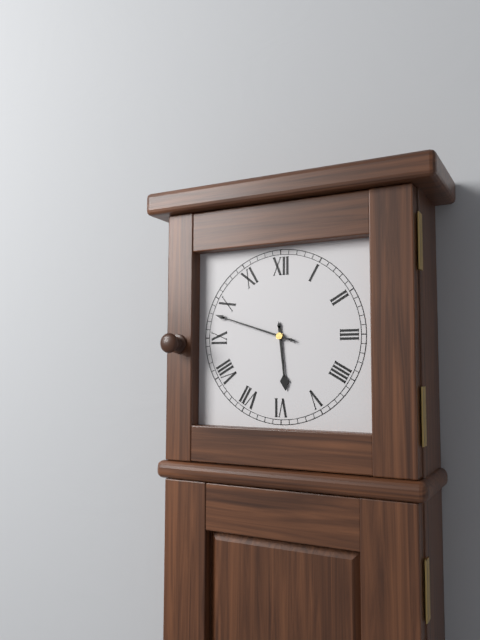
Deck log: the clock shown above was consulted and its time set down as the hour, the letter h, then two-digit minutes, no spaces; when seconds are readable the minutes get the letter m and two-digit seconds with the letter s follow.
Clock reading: 5h48
